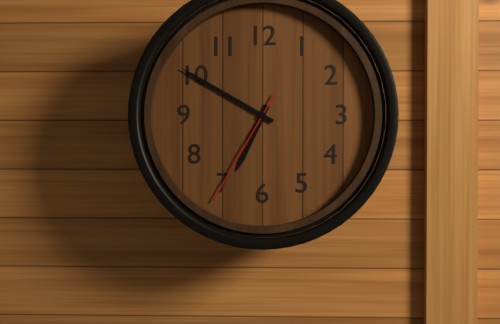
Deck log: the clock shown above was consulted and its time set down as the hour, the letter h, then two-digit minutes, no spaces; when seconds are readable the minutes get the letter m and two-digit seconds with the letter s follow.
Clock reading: 6h50m35s
